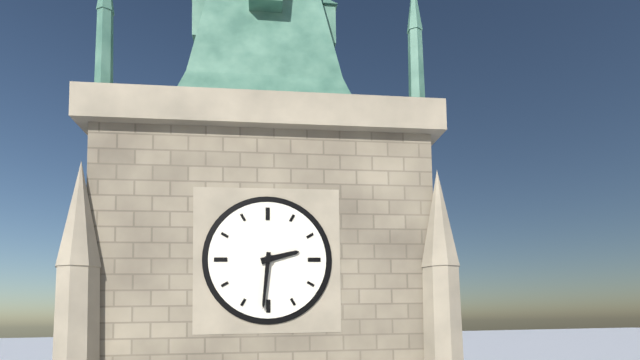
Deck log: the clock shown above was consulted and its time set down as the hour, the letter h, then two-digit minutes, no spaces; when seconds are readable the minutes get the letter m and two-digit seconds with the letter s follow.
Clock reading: 2h31
